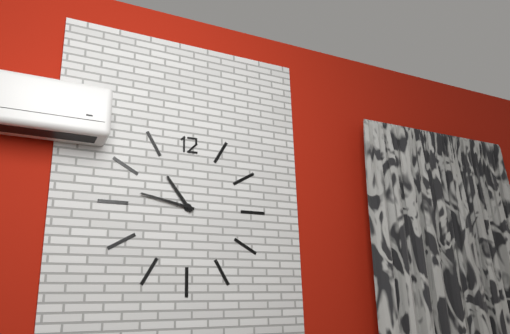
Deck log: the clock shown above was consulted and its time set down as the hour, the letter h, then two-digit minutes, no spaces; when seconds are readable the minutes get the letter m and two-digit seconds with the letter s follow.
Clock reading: 10h47
